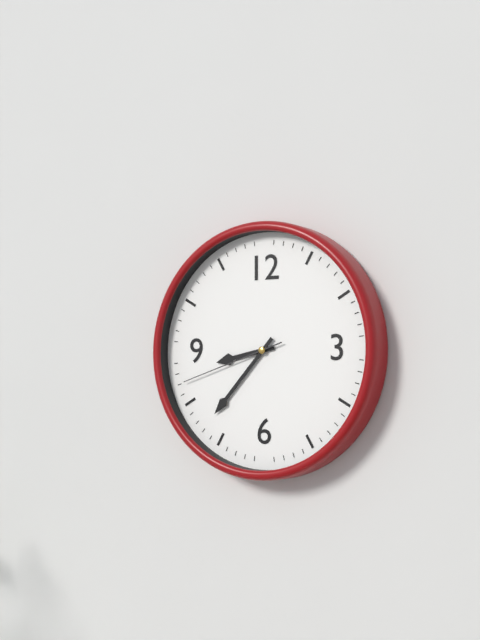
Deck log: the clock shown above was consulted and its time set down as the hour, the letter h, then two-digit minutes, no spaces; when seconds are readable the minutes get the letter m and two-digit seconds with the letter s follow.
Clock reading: 8h37m42s
